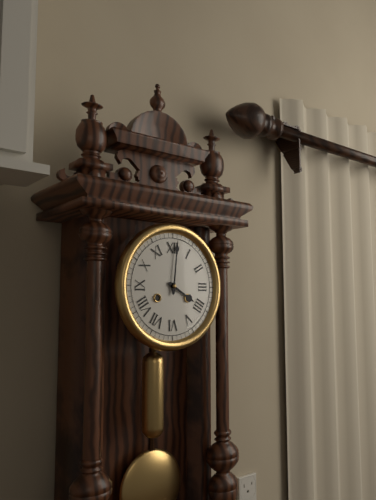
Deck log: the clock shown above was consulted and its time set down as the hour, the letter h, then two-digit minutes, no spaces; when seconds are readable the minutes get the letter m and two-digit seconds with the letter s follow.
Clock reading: 4h01
